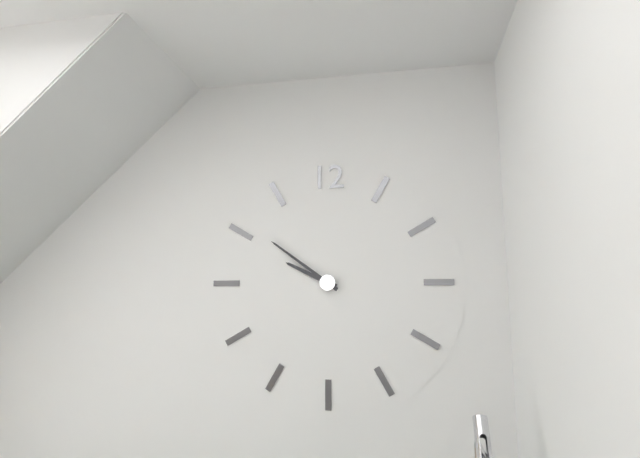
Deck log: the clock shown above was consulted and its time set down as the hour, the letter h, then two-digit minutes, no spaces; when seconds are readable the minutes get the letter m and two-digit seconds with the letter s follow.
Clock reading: 9h51
